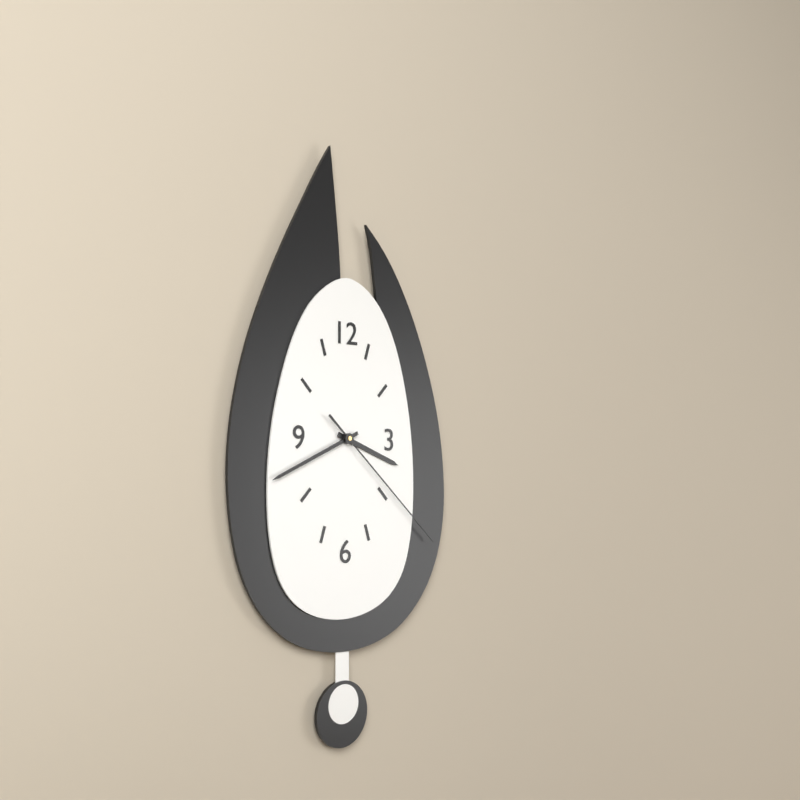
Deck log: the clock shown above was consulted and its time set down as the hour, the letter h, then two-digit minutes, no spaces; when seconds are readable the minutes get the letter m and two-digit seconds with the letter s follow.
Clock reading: 3h41m22s
